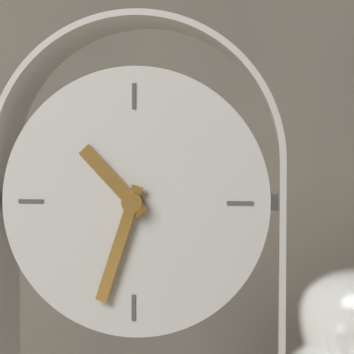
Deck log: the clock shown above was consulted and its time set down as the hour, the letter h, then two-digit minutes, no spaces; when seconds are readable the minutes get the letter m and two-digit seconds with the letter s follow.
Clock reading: 10h33
